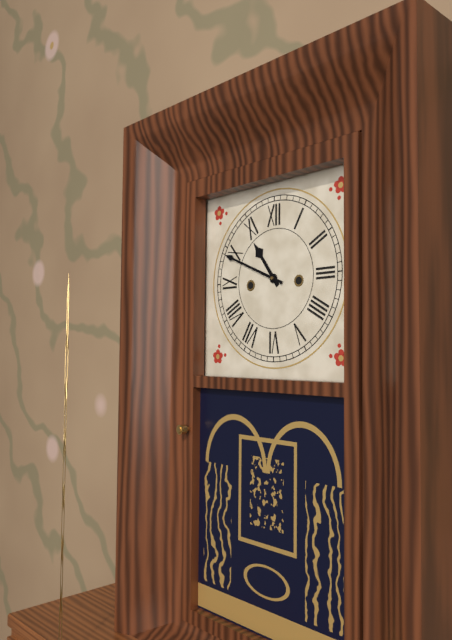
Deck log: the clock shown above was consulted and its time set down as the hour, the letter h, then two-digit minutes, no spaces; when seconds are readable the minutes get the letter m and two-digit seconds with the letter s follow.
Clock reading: 10h49
